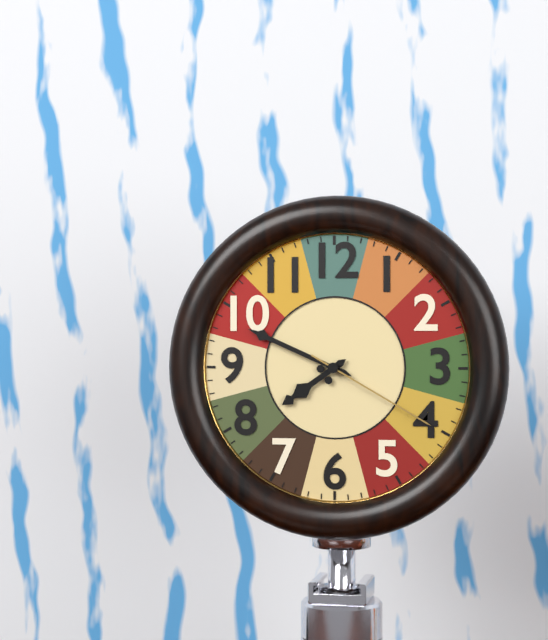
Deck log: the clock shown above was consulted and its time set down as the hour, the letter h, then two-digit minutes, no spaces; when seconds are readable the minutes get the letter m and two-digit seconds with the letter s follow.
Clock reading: 7h49m20s
